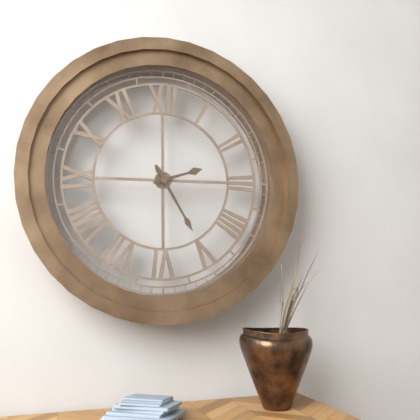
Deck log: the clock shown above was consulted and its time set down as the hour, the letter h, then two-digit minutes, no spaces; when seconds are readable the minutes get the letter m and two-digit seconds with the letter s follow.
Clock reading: 2h25
